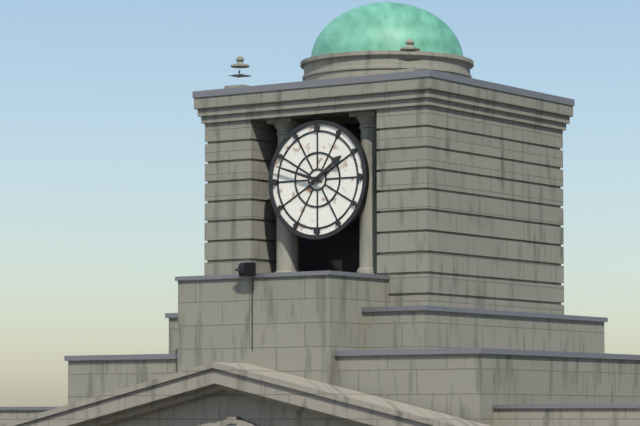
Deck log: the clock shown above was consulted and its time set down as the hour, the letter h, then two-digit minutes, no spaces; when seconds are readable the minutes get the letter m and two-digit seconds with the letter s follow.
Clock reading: 1h48
